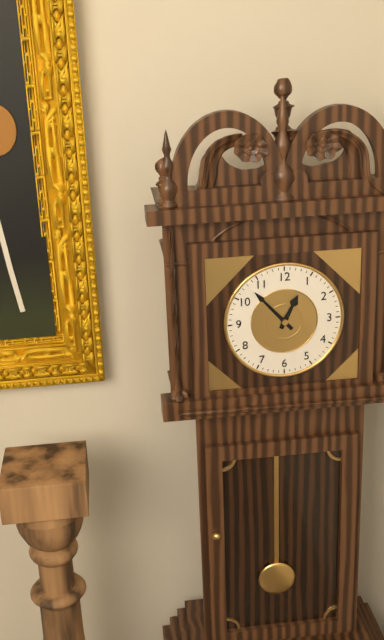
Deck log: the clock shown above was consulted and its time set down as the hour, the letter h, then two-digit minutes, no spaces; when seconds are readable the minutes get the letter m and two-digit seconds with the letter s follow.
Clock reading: 12h53
